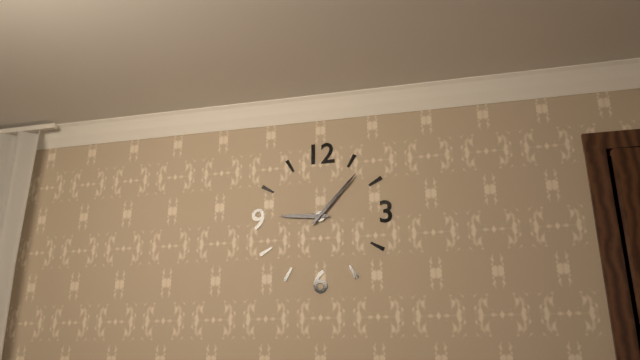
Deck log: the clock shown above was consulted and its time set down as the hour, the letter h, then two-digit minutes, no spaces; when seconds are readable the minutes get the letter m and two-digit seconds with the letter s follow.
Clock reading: 9h07
